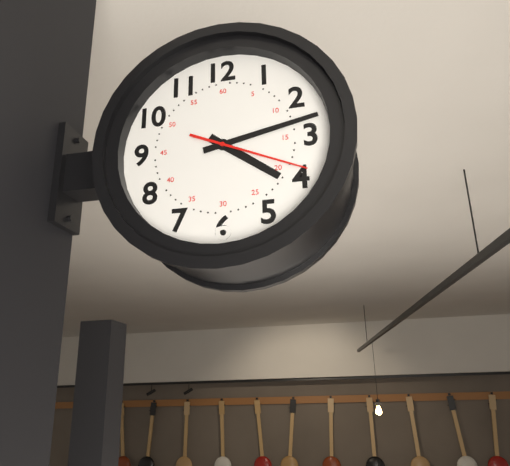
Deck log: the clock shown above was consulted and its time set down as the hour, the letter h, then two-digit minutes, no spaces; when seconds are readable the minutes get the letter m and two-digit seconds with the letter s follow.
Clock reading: 4h13m19s
